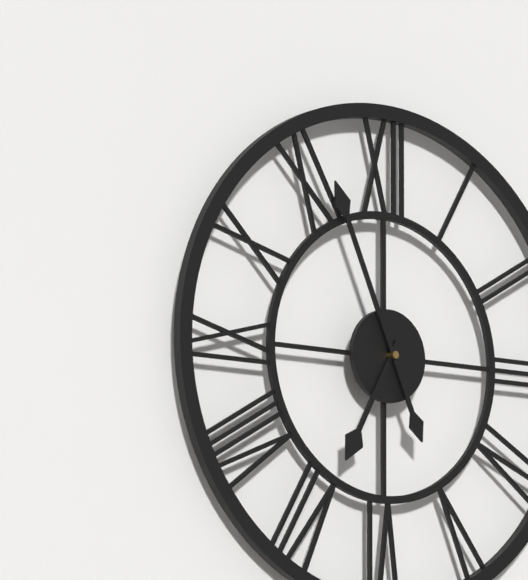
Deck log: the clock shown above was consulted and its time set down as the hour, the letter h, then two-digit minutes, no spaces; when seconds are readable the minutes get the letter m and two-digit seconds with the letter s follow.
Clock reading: 6h56
